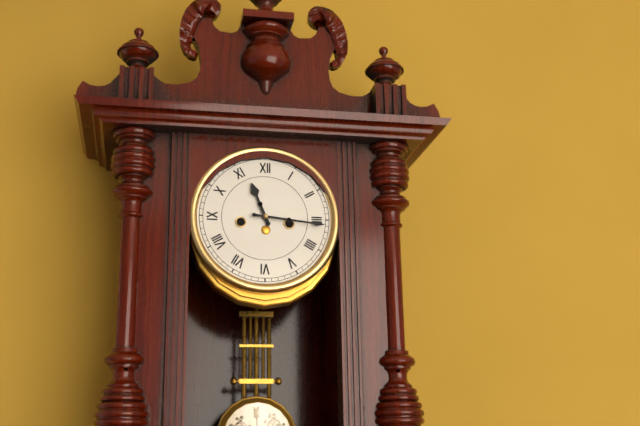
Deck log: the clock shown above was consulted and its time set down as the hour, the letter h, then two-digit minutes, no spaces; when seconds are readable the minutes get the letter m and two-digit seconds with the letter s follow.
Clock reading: 11h16
